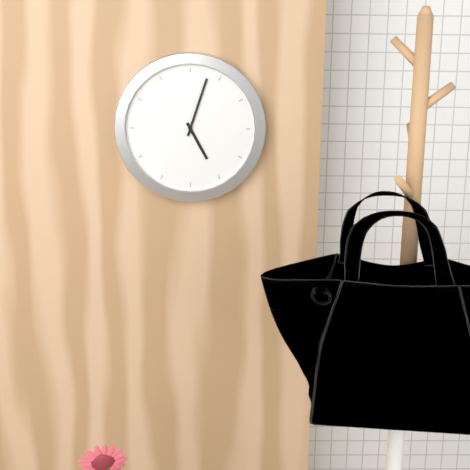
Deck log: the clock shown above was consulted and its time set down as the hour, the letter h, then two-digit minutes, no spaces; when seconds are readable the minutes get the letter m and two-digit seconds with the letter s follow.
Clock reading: 5h03
